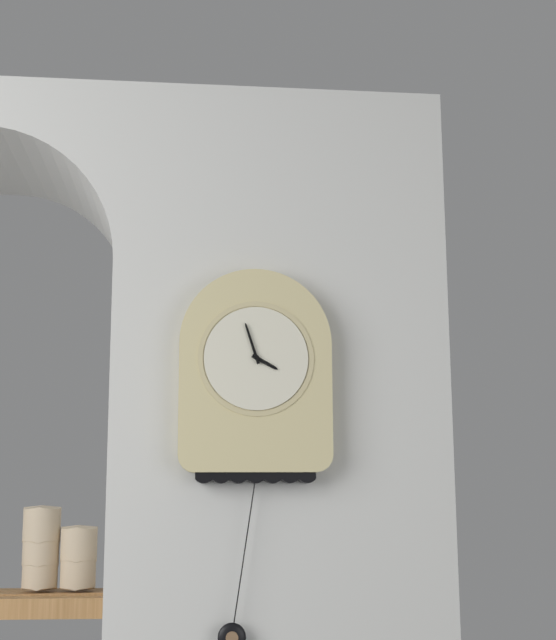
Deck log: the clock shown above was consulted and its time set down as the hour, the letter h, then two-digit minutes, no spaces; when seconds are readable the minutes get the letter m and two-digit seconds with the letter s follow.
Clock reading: 3h57
